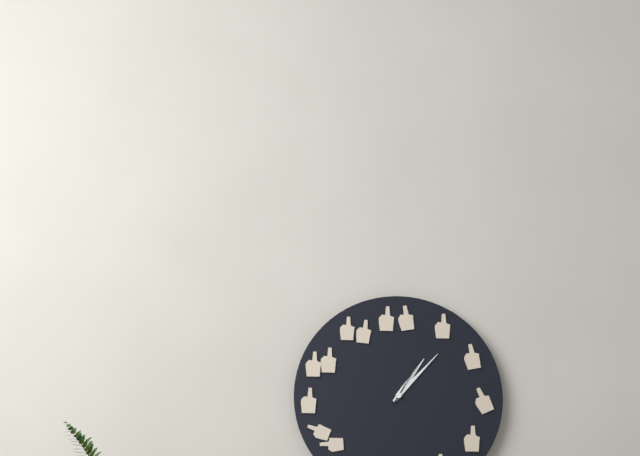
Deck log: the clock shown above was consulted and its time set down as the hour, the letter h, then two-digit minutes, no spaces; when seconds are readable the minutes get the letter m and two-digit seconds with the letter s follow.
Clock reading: 1h07m05s
